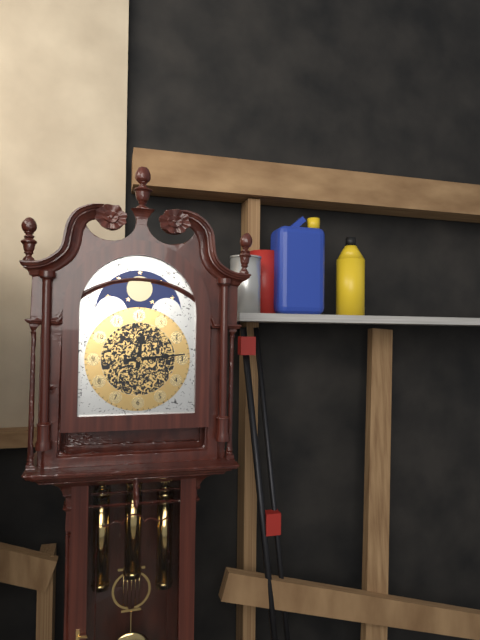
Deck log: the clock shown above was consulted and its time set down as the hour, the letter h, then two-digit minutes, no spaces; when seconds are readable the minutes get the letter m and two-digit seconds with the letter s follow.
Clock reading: 12h14
